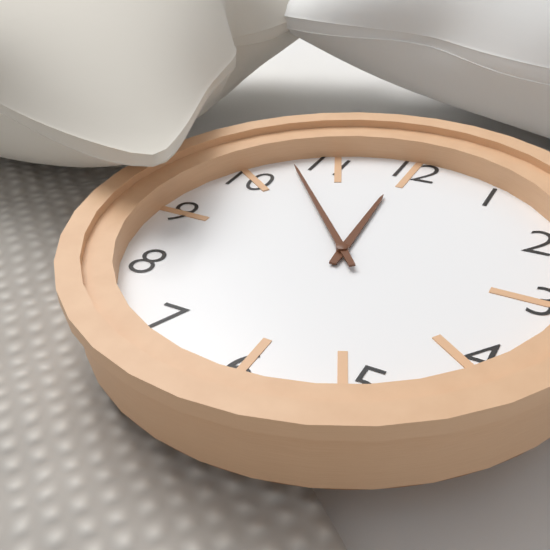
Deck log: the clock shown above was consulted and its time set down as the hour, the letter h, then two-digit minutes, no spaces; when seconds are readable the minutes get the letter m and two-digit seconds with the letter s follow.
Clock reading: 11h53
